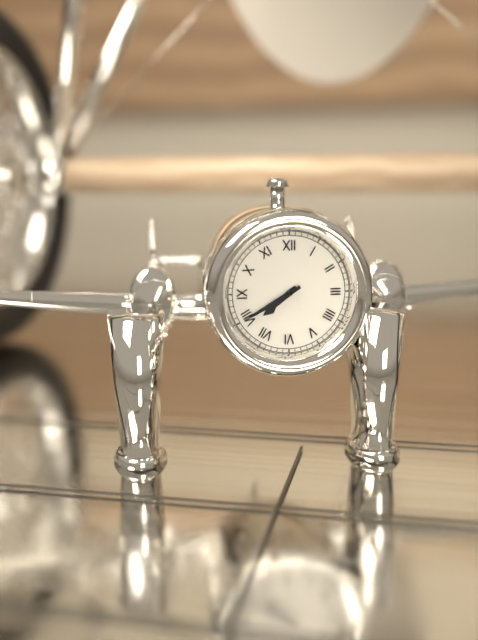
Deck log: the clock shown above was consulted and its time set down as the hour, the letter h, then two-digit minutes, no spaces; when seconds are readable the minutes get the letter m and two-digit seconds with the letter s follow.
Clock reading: 7h40
